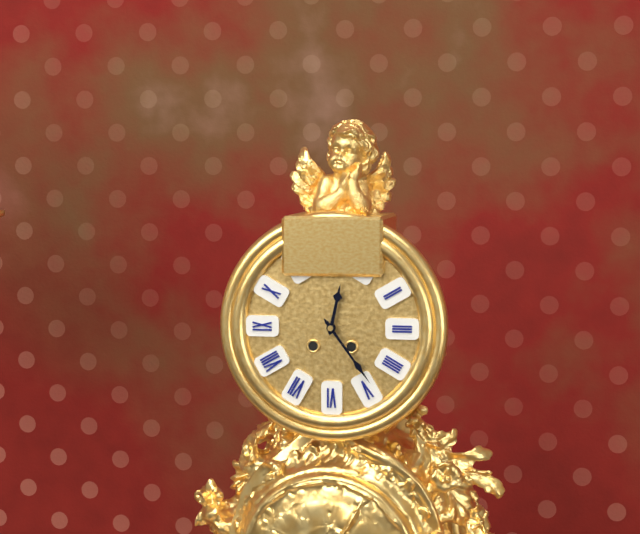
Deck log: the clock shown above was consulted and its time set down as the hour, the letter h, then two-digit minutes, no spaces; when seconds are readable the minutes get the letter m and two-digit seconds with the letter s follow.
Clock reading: 12h24
